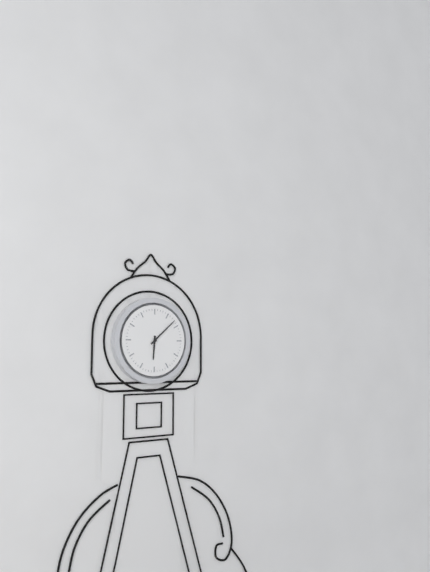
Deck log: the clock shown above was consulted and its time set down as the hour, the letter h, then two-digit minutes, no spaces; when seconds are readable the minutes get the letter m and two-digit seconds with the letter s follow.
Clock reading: 6h08
